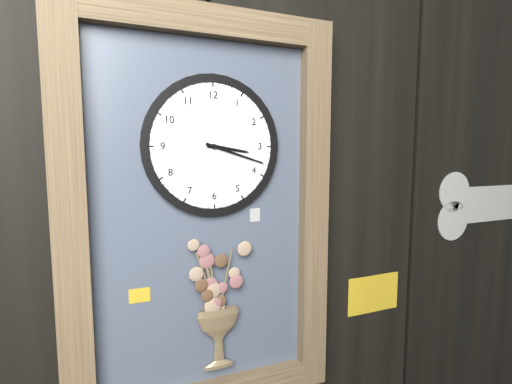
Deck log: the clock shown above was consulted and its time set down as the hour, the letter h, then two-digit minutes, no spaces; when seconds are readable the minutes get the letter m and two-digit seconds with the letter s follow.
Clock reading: 3h18
